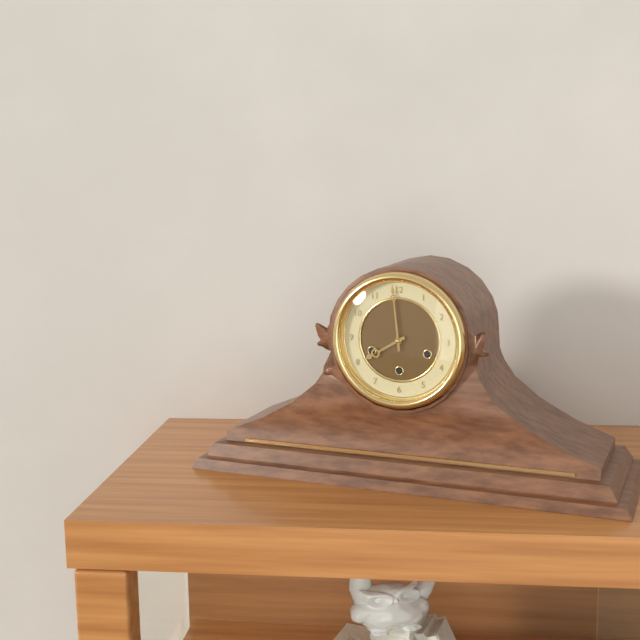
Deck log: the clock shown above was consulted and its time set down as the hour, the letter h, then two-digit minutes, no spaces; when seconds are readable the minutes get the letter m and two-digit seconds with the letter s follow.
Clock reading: 7h59
